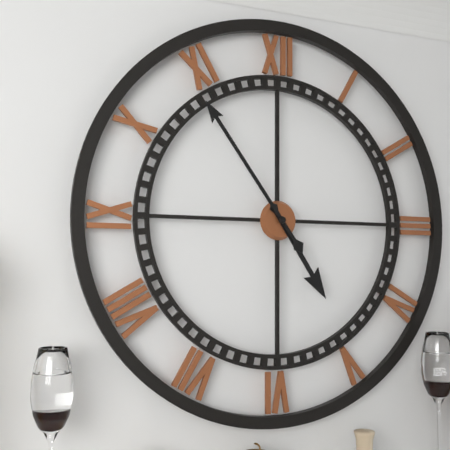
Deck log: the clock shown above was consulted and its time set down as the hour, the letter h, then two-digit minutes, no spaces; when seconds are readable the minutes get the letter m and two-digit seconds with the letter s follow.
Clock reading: 4h54
